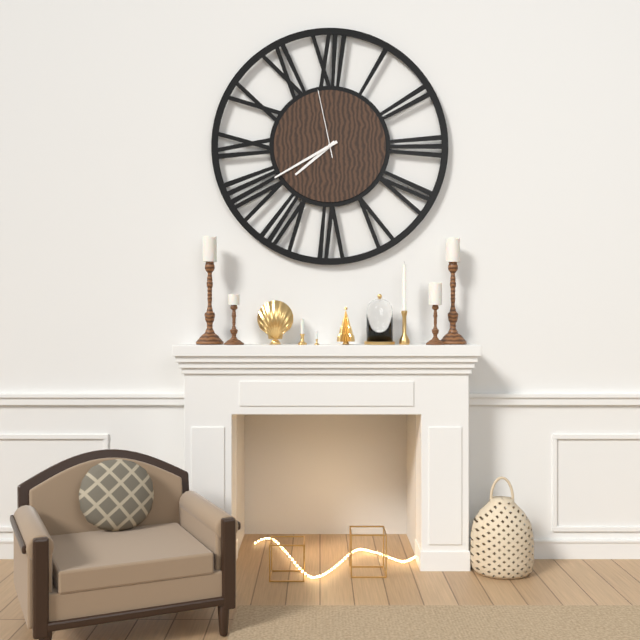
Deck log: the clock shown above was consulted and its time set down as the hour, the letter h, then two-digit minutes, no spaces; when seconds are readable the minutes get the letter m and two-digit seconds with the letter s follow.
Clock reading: 7h40m58s
